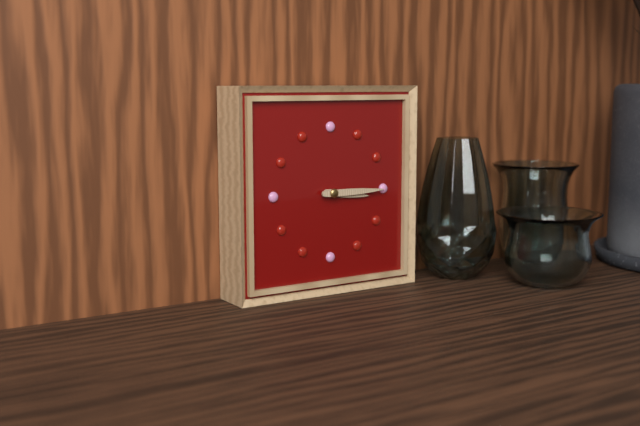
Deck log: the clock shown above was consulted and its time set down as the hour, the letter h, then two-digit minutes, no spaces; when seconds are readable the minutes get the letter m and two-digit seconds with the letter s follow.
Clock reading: 3h15
